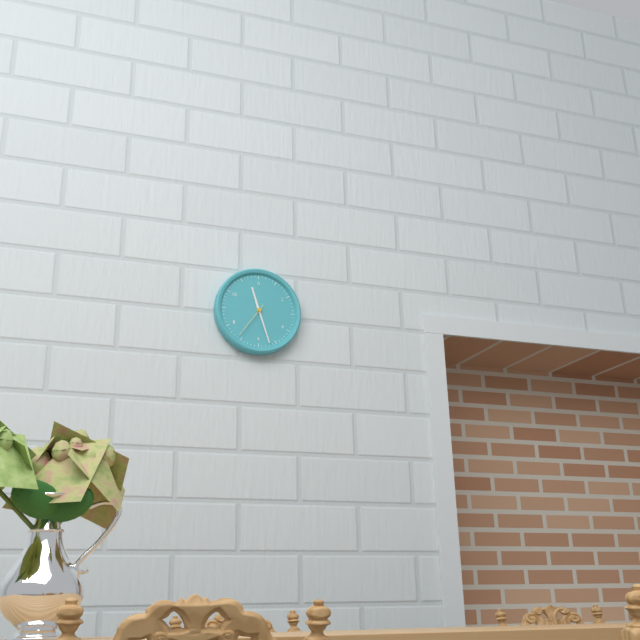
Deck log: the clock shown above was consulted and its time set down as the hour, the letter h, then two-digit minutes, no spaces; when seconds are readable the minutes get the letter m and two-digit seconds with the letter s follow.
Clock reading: 11h27
